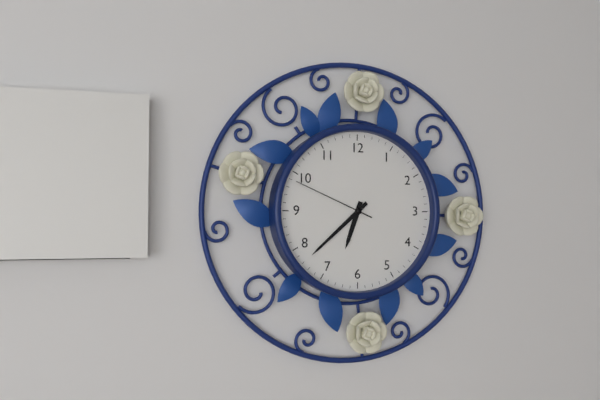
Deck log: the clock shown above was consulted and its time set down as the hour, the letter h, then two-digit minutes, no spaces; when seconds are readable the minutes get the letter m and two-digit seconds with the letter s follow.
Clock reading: 6h38m49s
